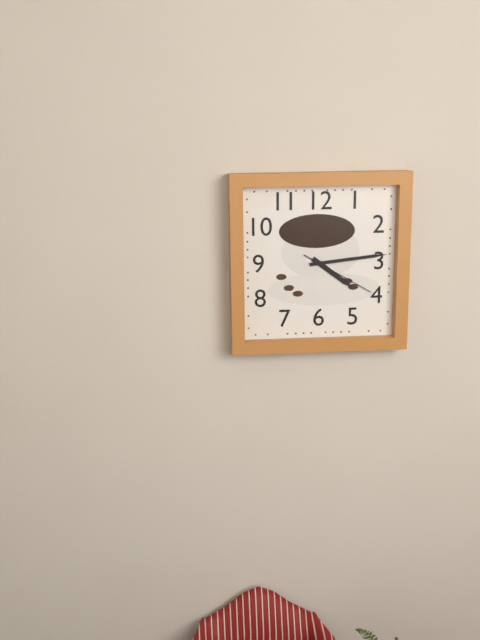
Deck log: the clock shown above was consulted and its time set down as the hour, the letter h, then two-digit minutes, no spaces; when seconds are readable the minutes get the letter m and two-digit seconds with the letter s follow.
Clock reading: 4h14m20s
